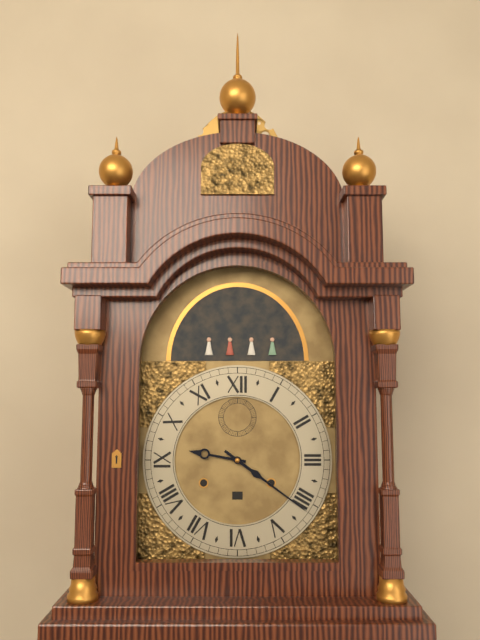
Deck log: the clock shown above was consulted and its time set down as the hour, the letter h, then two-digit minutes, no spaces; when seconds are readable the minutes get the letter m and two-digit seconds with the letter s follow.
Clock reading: 9h21
